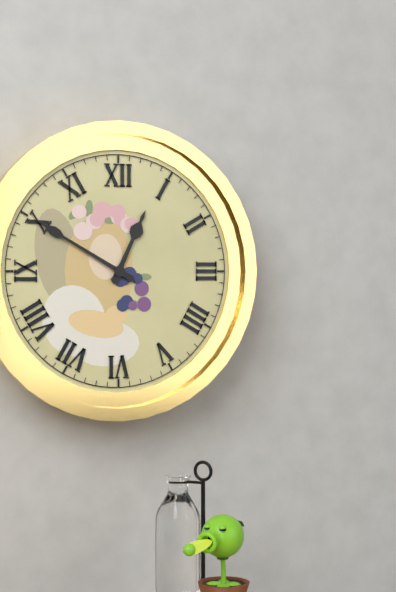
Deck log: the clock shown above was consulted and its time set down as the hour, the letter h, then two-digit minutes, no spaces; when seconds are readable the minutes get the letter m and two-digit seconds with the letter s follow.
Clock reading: 12h50
